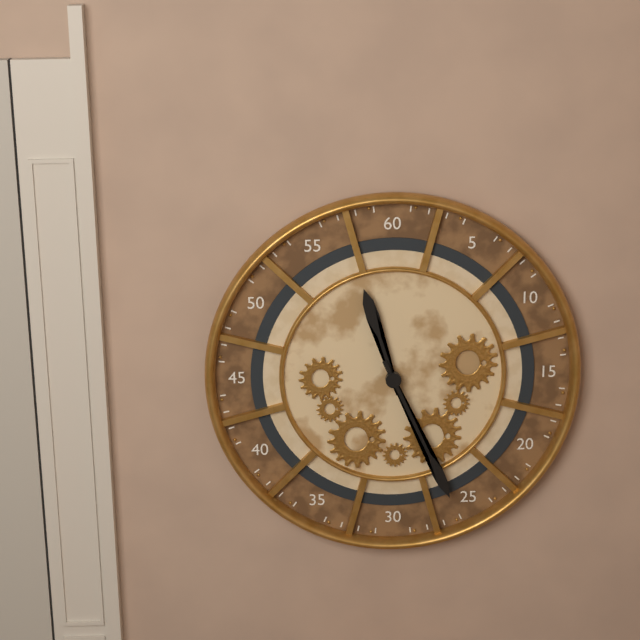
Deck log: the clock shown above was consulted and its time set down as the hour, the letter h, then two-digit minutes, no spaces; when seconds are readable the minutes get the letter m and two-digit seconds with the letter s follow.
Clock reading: 11h26
